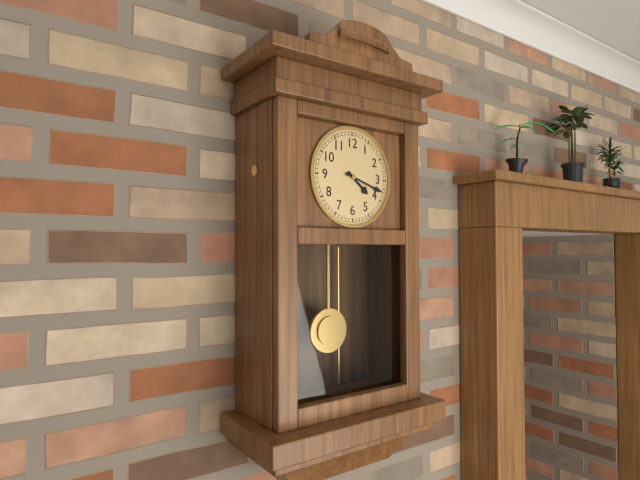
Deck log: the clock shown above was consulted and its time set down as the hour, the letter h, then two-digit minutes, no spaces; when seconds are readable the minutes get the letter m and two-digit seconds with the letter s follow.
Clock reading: 4h18
